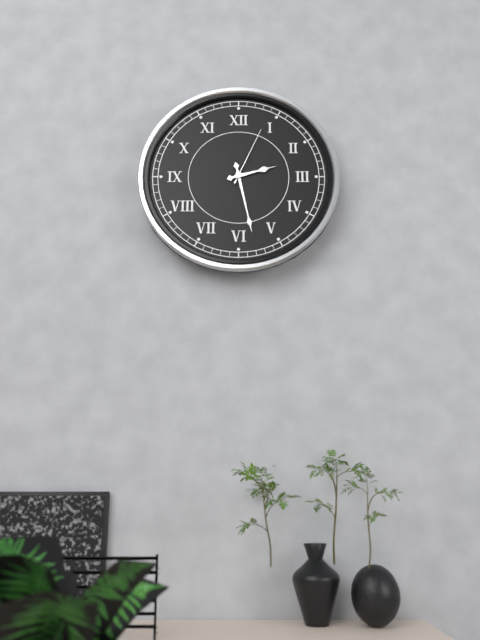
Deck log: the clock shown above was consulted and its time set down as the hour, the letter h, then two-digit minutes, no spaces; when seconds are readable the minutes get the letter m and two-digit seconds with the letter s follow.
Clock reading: 2h28m04s
